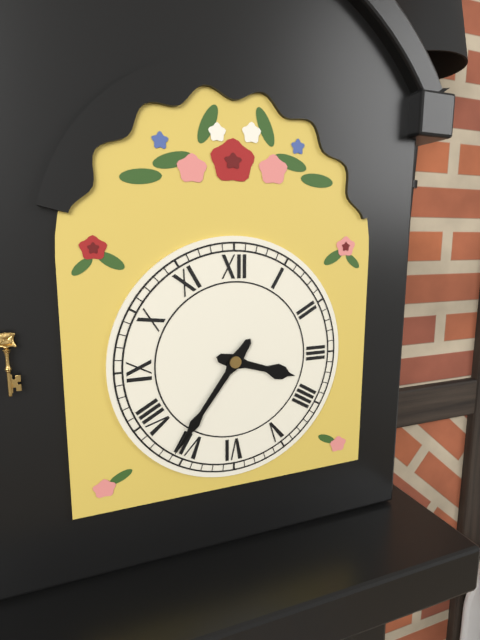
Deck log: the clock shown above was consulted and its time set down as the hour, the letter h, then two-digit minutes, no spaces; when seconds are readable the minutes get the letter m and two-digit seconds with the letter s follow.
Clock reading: 3h36
